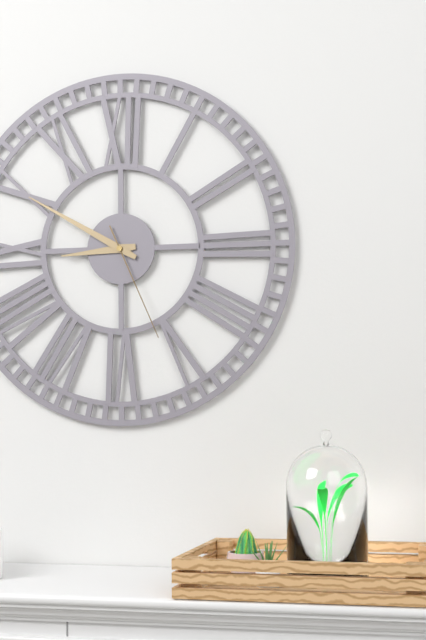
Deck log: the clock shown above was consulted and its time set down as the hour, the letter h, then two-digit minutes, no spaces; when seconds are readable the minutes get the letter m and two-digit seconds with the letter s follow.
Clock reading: 8h50m26s
